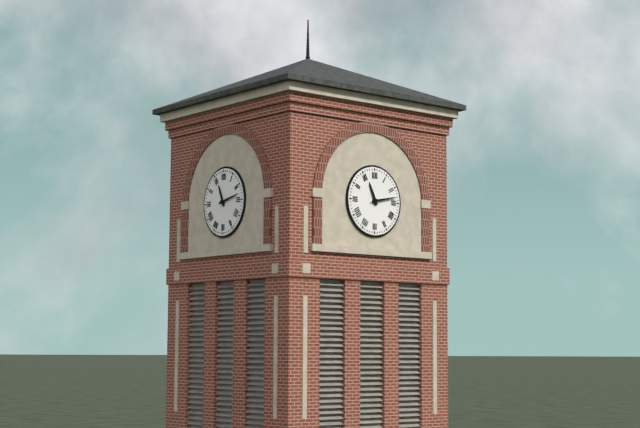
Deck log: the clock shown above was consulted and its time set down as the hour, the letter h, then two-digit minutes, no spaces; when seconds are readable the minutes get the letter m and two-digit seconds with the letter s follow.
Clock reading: 11h13
